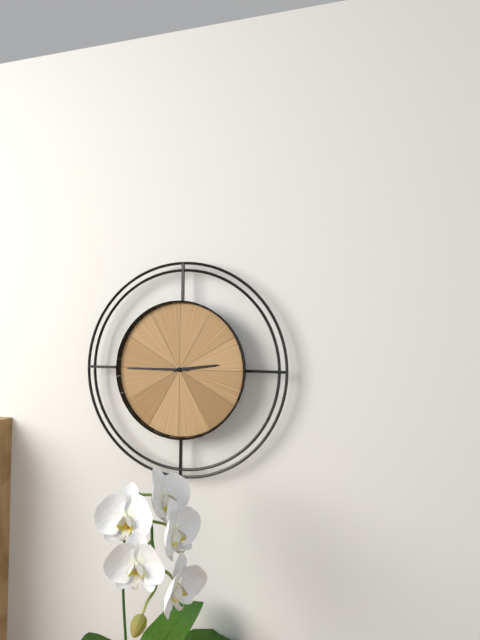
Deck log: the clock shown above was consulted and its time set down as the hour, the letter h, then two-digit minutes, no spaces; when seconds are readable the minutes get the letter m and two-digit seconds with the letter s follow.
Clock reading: 2h45
